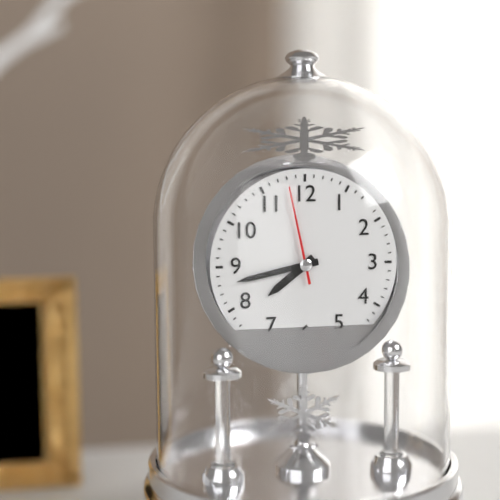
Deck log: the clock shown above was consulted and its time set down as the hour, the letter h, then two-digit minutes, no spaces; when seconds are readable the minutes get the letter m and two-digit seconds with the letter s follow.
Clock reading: 7h43m58s
